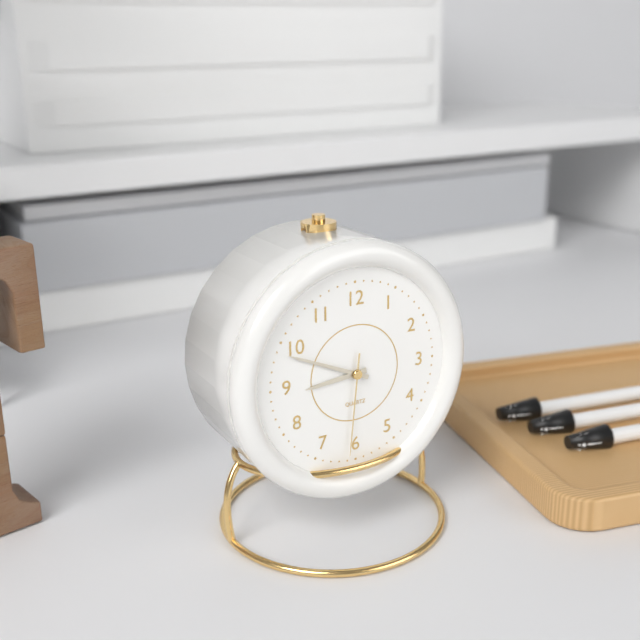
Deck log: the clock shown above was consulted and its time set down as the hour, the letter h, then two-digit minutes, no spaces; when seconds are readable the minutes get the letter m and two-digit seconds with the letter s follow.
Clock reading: 8h49m31s
